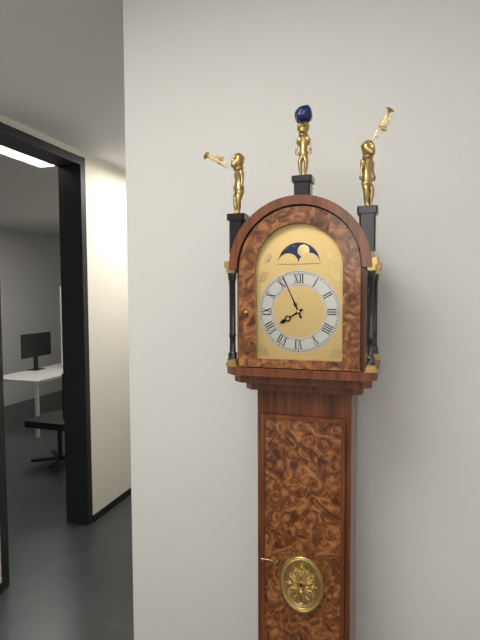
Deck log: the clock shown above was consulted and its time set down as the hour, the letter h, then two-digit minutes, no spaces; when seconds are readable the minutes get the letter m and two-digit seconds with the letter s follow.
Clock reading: 7h56
